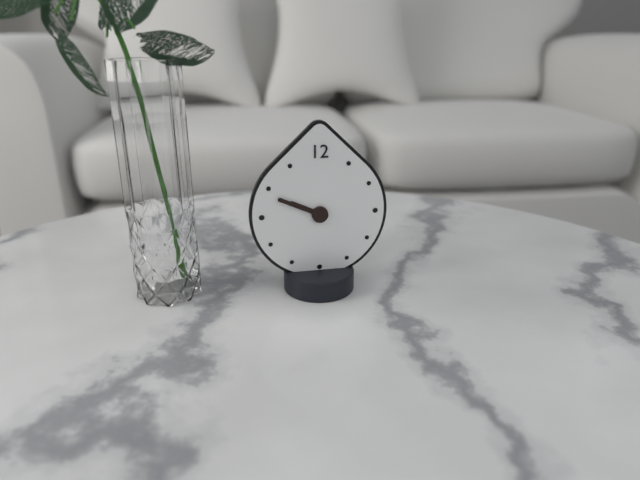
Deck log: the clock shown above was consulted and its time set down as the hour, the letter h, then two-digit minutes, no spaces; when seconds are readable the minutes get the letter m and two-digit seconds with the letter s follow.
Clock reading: 9h49
